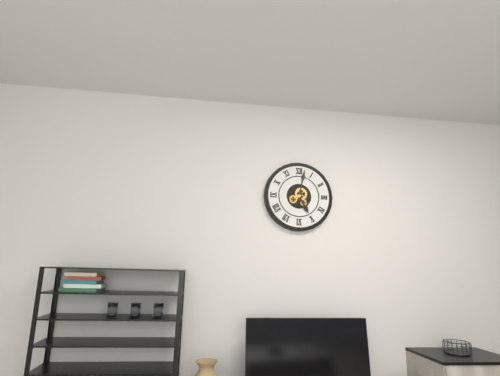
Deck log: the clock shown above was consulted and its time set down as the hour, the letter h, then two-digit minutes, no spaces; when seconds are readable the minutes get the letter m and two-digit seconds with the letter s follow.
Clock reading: 5h02
